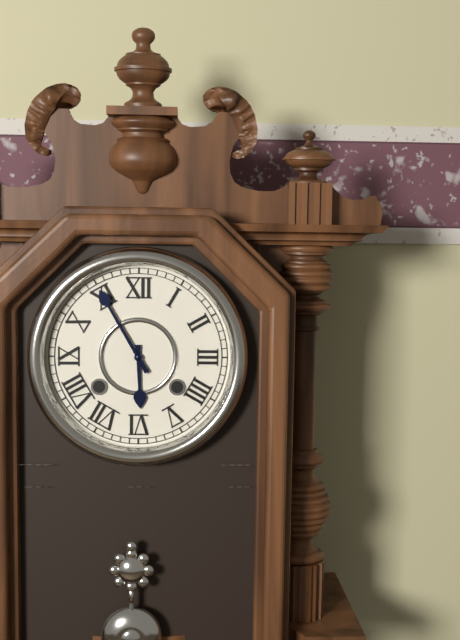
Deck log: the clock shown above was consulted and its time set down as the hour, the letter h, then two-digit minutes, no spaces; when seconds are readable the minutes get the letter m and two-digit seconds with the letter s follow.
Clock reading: 5h55
